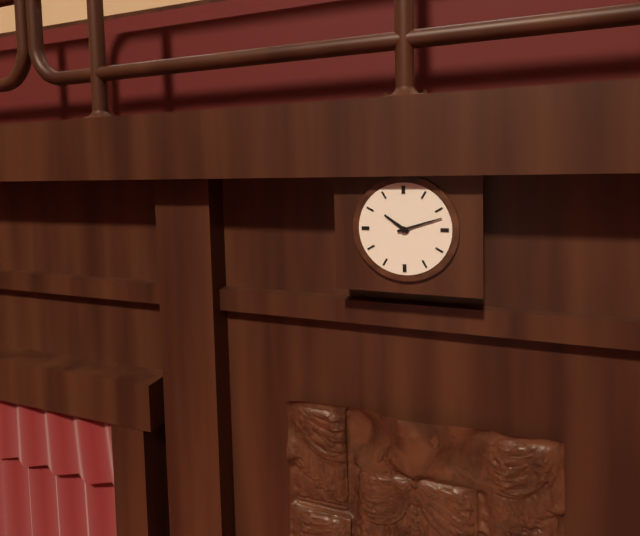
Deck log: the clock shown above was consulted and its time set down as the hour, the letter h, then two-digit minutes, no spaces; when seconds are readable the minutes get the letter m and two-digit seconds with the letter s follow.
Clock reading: 10h12
